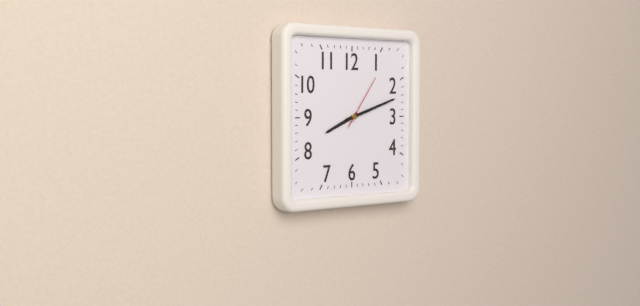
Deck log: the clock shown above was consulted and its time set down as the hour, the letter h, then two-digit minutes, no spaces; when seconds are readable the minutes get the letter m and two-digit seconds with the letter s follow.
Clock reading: 8h12m06s
